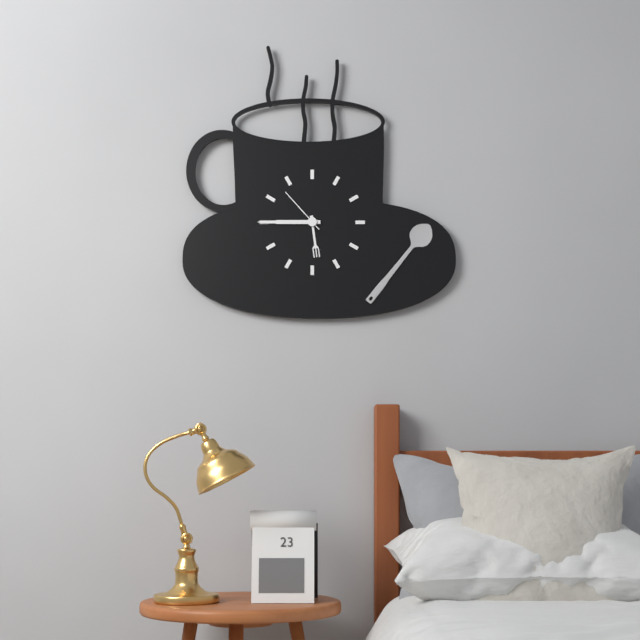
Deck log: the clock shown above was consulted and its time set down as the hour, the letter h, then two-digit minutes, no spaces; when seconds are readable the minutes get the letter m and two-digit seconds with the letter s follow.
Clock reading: 5h45m53s
